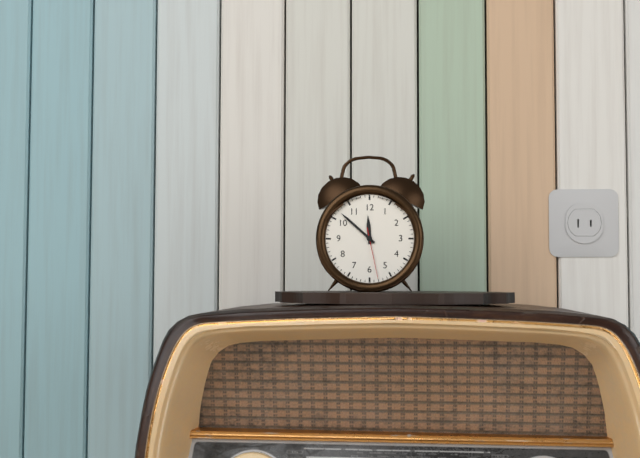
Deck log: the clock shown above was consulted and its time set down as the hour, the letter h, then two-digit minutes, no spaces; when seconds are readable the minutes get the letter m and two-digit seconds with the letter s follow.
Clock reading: 11h52m28s
